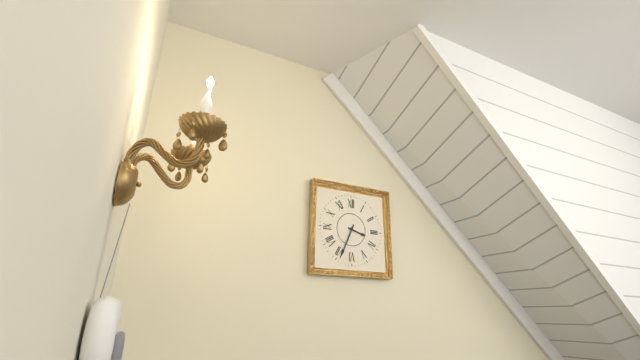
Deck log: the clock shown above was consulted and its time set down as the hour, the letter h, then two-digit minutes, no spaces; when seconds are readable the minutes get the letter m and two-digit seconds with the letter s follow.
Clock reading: 3h34
